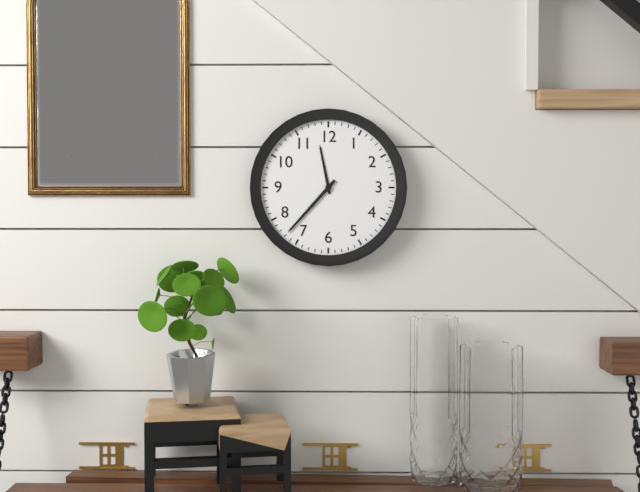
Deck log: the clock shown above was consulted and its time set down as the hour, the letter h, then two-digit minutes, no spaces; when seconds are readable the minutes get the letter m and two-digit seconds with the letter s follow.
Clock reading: 11h37
